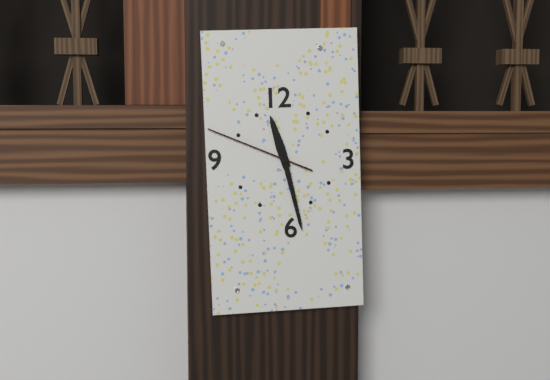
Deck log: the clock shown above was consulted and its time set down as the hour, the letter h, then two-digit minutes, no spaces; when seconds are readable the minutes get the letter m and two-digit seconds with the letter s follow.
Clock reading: 11h28m49s
